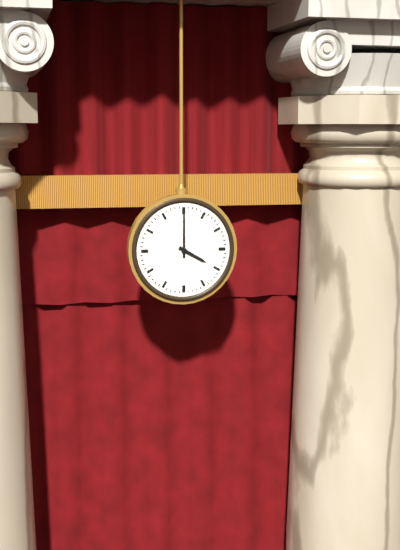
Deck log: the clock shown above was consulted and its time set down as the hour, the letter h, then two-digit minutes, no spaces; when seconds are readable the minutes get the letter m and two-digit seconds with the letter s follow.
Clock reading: 4h00
